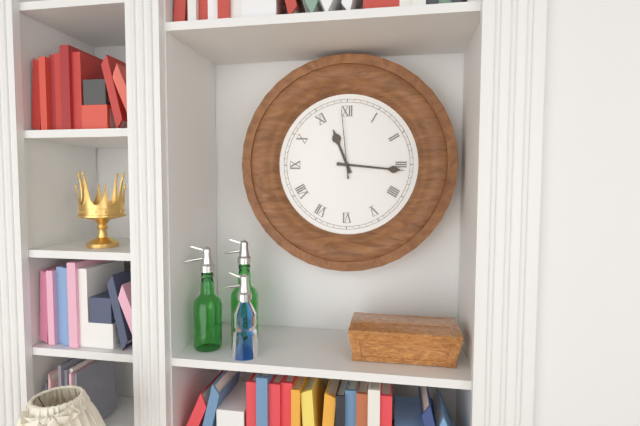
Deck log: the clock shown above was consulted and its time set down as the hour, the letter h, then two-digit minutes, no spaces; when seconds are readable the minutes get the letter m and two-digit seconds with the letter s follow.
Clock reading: 11h16m59s
